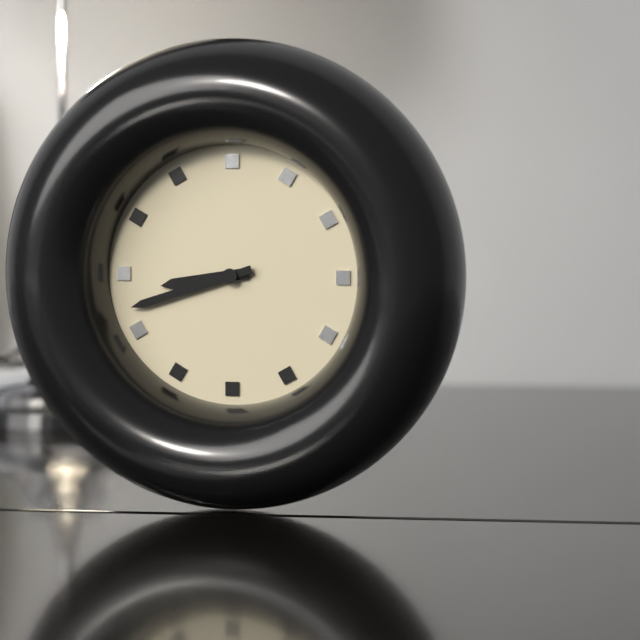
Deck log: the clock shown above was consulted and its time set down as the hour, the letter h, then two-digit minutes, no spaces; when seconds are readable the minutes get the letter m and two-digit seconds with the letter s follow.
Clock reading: 8h42
